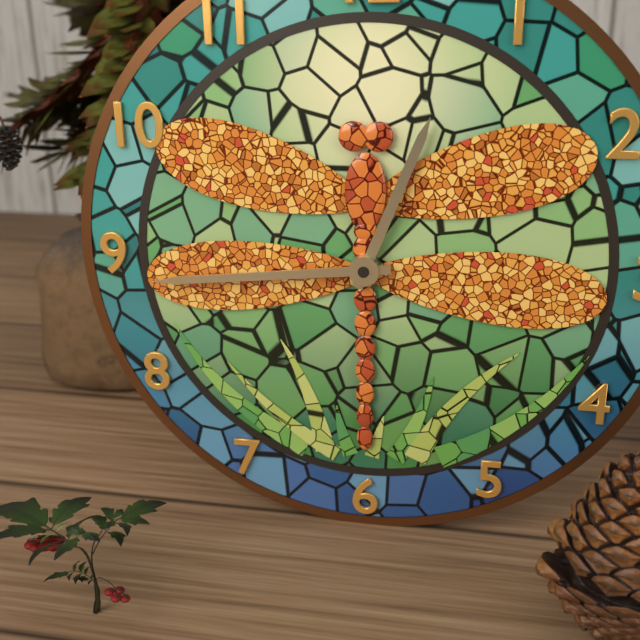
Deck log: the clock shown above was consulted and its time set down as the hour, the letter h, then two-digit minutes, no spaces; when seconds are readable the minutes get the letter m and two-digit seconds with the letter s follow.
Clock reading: 12h44
